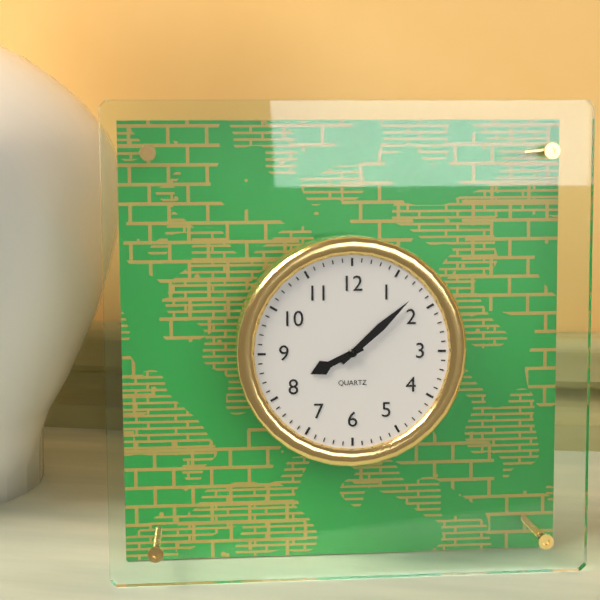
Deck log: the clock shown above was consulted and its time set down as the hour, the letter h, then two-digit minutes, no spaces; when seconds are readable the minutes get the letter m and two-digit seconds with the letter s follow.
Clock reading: 8h08
